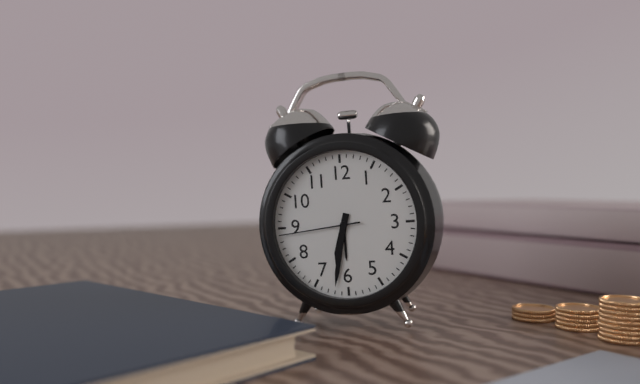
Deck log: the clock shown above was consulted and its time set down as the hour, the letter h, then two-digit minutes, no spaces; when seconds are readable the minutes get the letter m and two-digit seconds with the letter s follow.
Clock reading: 6h32m44s
